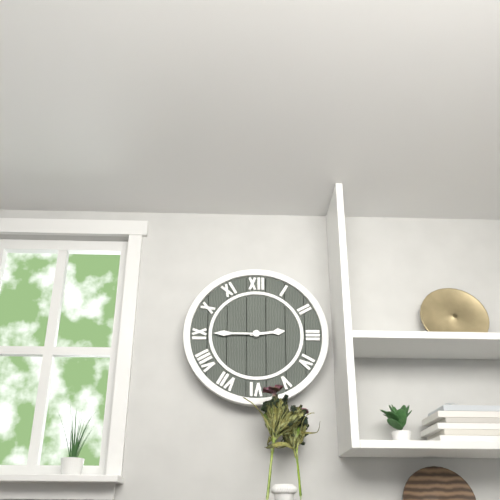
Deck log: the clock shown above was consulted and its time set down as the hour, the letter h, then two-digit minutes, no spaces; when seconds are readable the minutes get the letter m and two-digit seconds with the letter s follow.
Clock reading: 2h45
